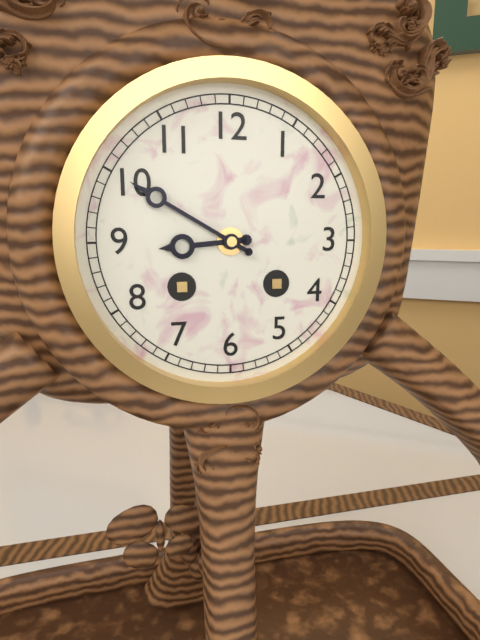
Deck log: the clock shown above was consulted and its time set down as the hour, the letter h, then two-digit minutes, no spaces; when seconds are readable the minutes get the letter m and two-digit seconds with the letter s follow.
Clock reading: 8h50
